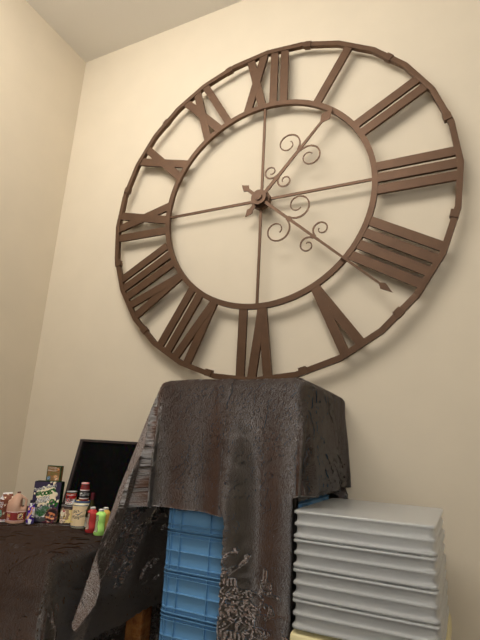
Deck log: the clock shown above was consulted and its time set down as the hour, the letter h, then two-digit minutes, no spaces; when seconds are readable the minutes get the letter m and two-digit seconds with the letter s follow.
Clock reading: 1h22
